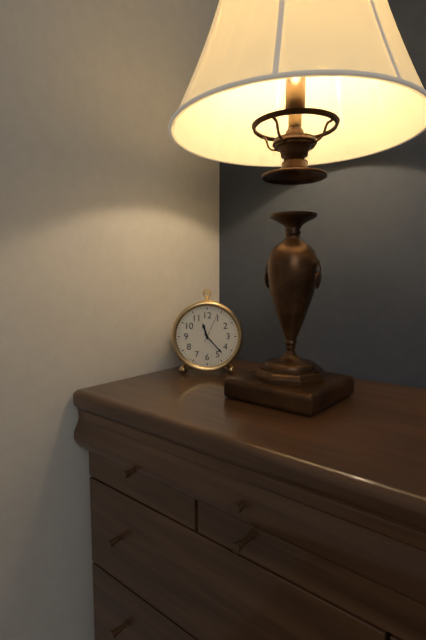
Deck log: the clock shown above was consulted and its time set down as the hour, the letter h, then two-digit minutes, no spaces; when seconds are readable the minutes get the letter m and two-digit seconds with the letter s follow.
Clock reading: 11h23
